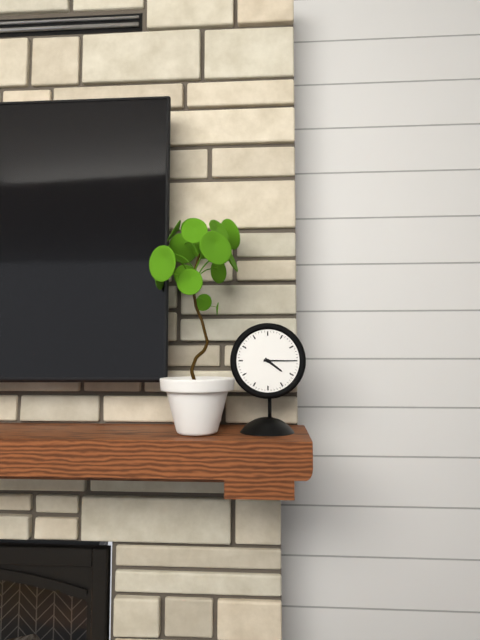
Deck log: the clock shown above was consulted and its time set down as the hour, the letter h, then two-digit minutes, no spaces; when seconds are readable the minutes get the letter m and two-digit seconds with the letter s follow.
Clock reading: 4h15
